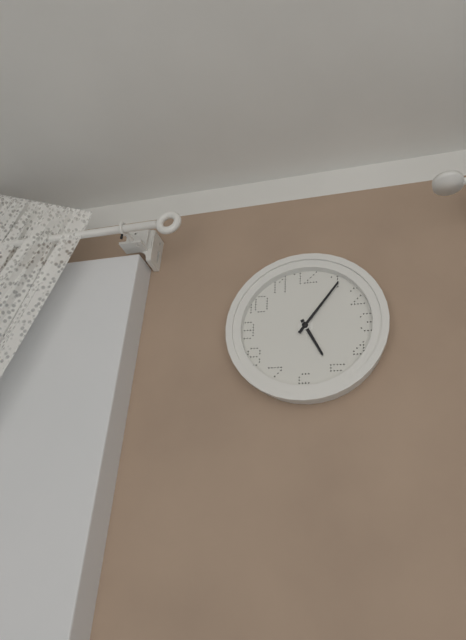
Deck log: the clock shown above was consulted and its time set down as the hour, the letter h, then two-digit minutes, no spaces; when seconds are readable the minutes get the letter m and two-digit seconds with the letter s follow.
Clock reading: 5h06
